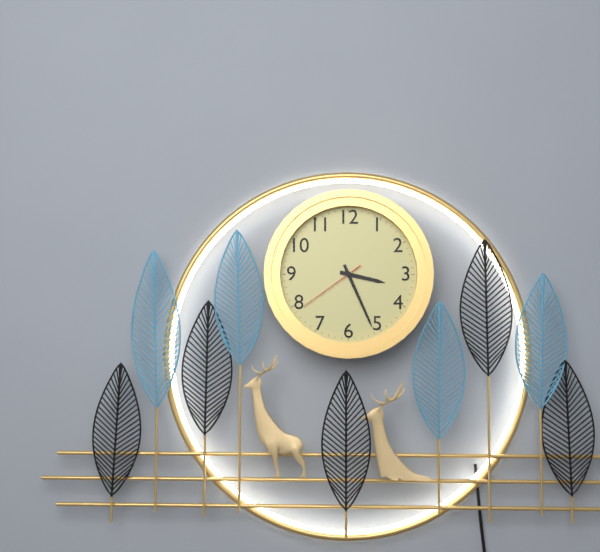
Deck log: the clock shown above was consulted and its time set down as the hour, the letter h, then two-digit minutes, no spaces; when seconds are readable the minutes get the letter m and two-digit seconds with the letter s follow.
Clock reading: 3h26m39s
